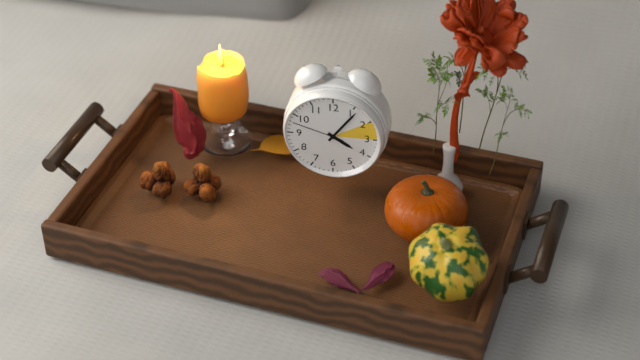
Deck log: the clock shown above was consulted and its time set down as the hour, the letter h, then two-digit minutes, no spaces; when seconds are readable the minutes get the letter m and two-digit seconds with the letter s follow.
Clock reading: 4h06m48s
